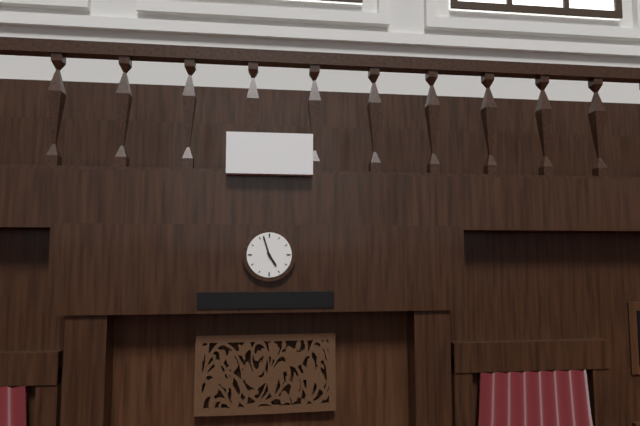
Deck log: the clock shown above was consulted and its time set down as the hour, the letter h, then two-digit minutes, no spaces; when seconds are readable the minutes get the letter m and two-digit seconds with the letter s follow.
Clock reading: 4h57
